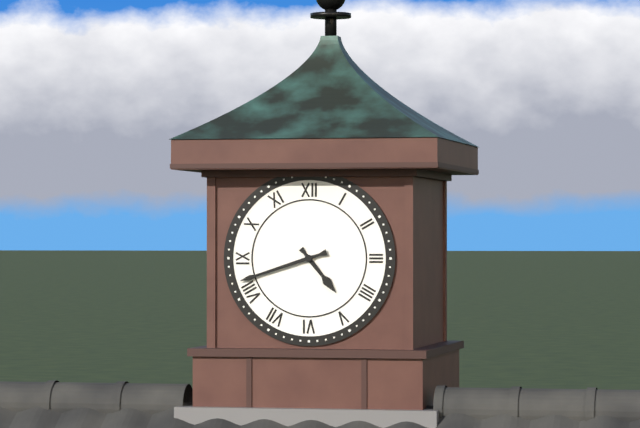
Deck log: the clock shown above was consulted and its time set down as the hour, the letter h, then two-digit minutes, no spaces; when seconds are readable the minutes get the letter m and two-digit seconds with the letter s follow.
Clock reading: 4h42
